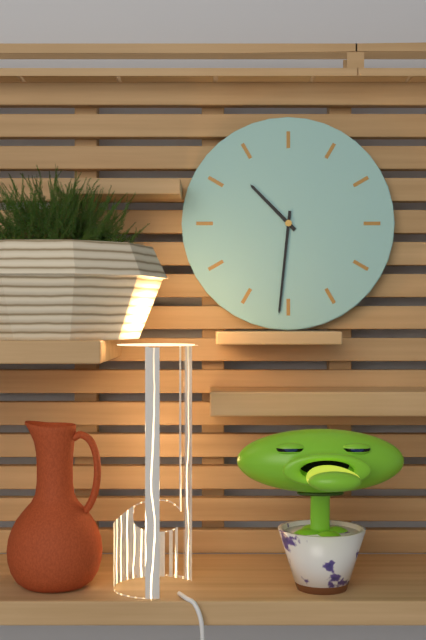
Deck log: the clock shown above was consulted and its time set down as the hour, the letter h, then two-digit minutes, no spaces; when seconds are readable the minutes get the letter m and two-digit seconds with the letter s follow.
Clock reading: 10h31
